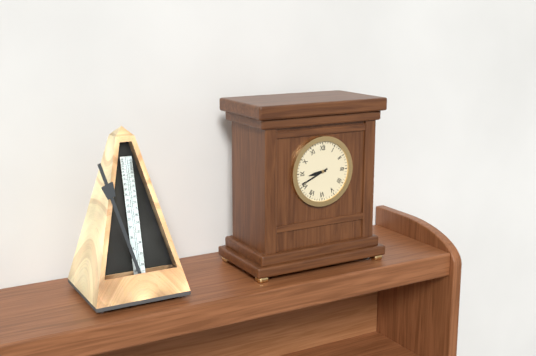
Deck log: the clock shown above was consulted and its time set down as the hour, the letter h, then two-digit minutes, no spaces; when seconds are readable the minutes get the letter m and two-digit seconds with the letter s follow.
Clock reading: 8h41
